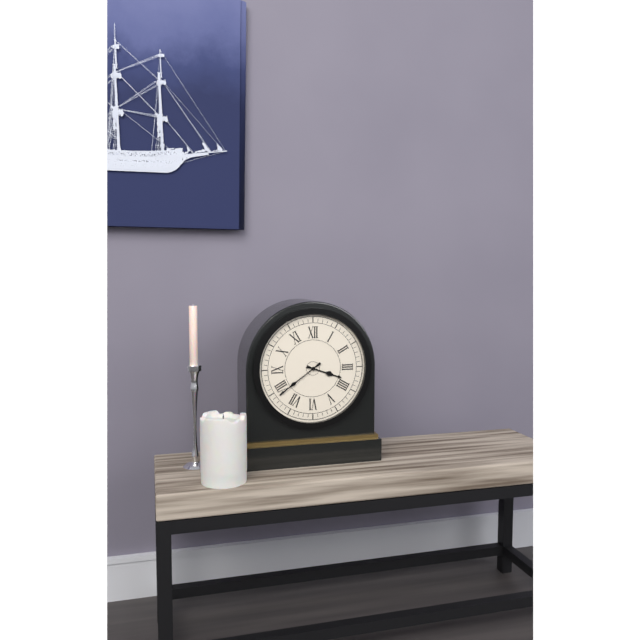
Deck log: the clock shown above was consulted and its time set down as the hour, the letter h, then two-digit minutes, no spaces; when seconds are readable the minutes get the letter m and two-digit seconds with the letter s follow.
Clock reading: 3h39
